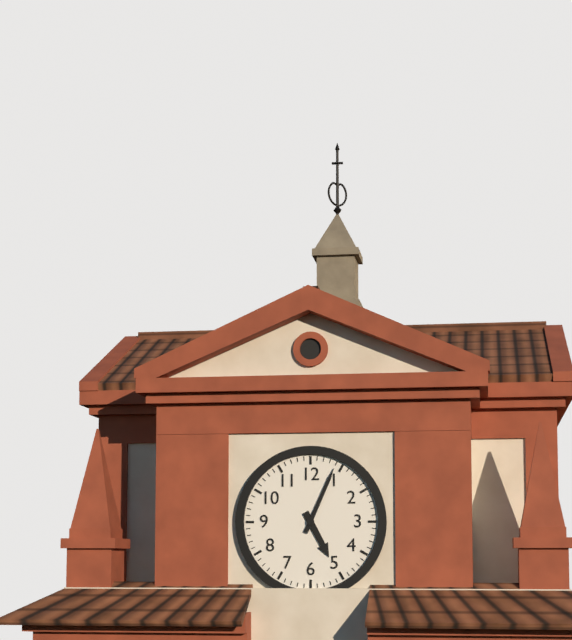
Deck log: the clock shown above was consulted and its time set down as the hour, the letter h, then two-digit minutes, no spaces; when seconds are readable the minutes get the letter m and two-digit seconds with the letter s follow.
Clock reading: 5h04
